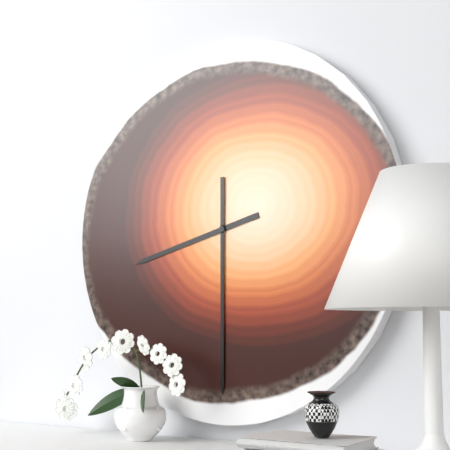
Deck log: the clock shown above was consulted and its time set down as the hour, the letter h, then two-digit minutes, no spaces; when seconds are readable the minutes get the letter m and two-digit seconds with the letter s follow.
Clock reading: 8h30
